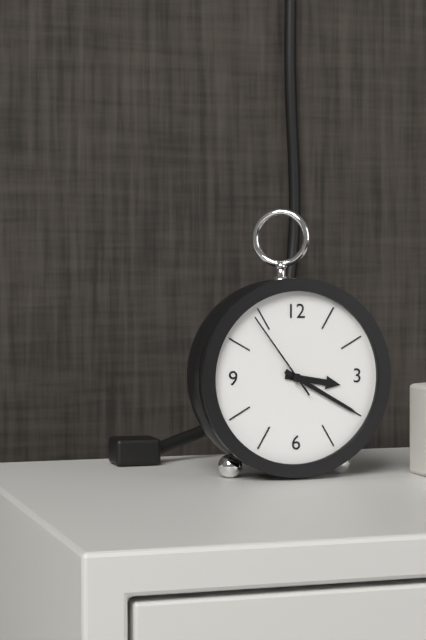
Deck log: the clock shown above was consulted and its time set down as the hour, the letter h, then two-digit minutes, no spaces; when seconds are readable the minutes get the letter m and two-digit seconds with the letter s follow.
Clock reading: 3h20m54s
